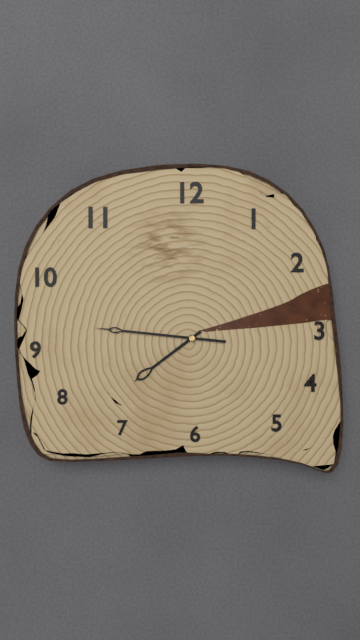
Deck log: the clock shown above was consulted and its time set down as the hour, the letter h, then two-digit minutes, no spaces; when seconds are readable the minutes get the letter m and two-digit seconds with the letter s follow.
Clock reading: 7h46
